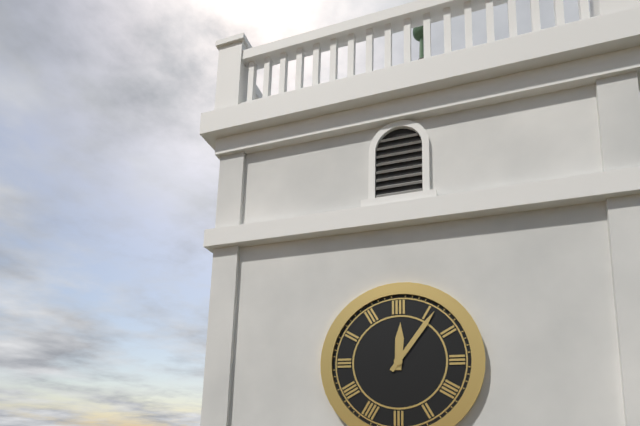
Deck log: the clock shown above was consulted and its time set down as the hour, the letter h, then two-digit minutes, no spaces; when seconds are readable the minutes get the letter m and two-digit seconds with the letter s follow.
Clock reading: 12h06
